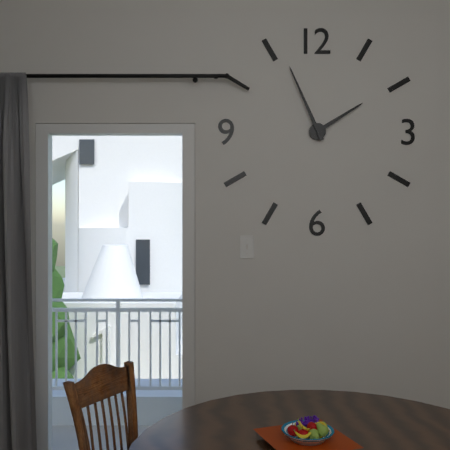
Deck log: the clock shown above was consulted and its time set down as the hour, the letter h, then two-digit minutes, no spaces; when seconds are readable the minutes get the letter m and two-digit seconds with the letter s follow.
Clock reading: 1h56
